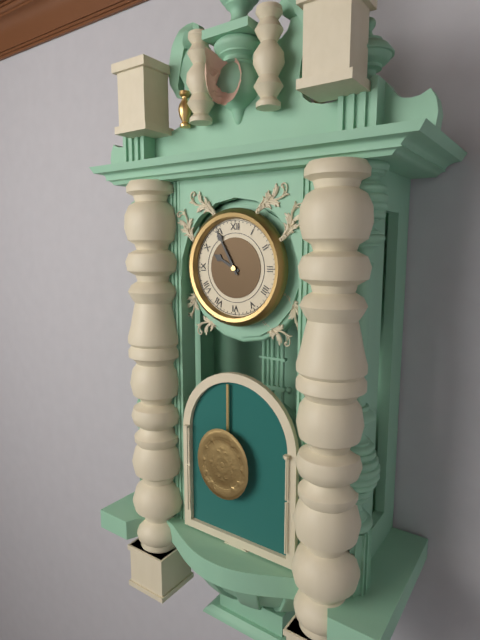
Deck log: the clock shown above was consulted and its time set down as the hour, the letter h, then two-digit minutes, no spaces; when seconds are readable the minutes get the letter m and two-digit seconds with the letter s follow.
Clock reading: 9h55
